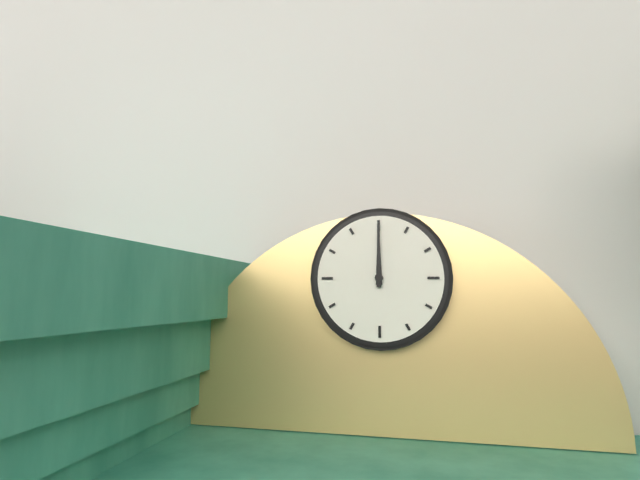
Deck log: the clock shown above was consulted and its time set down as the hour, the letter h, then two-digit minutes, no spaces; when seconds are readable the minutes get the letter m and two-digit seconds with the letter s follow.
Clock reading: 12h00
